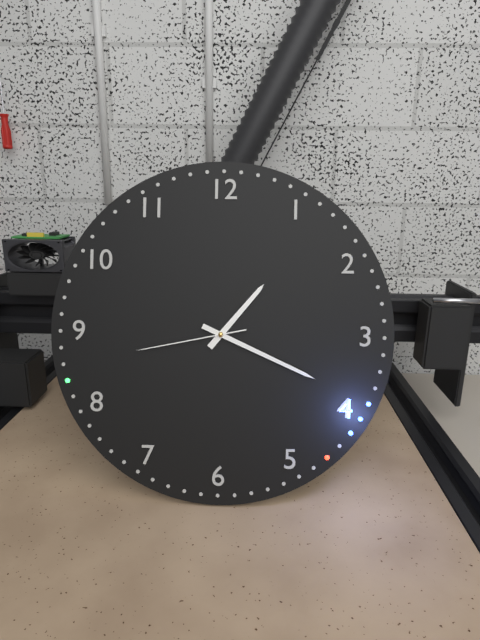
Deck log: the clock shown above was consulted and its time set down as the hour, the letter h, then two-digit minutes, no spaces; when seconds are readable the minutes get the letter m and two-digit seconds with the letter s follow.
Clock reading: 1h19m43s
